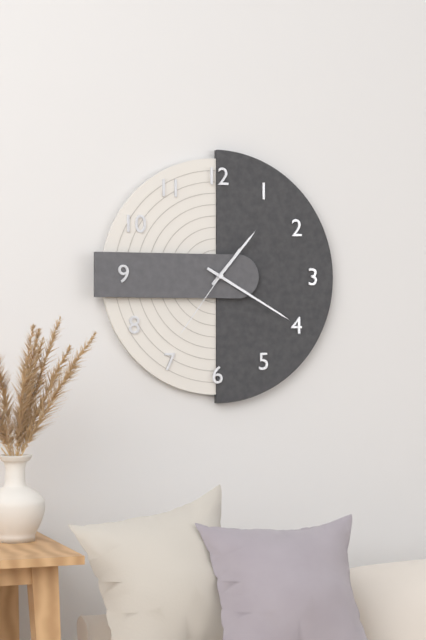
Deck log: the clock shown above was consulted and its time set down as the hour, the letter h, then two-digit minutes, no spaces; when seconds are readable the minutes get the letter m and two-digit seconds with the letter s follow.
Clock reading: 1h20m36s
